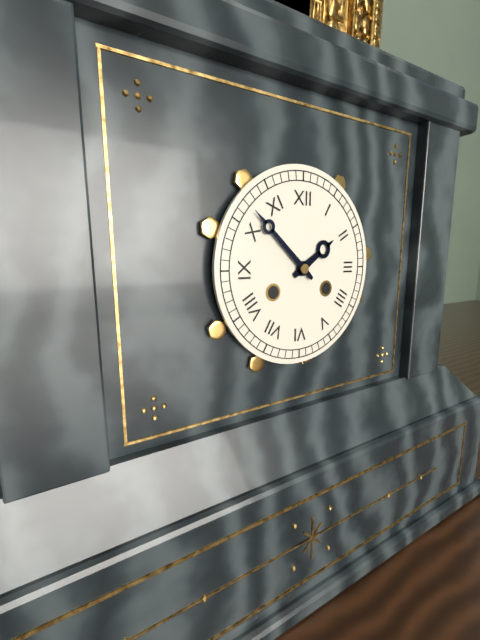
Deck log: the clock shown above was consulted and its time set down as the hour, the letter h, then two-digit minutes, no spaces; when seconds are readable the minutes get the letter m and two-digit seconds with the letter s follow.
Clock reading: 1h52
